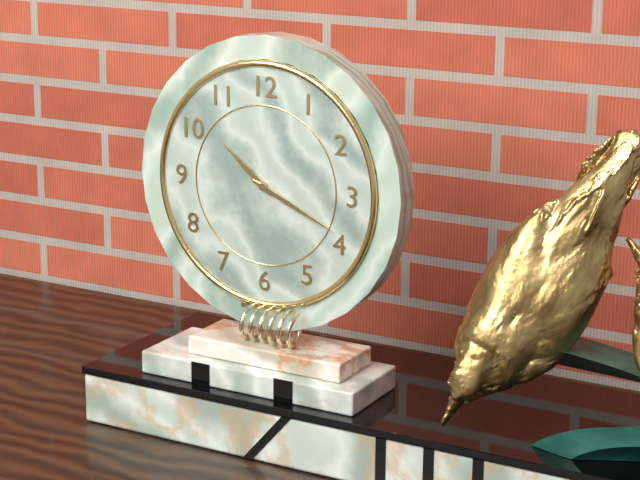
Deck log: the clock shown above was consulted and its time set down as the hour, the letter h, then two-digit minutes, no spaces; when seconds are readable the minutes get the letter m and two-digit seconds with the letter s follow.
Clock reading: 10h19
